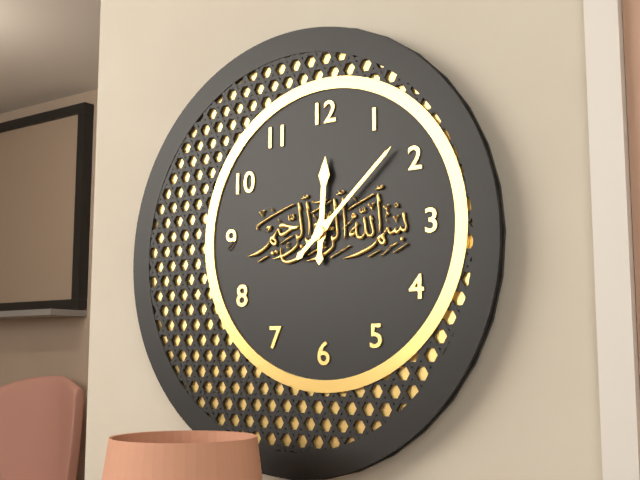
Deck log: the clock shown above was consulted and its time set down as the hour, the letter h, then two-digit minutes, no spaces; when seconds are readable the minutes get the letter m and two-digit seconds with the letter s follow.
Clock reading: 12h08
